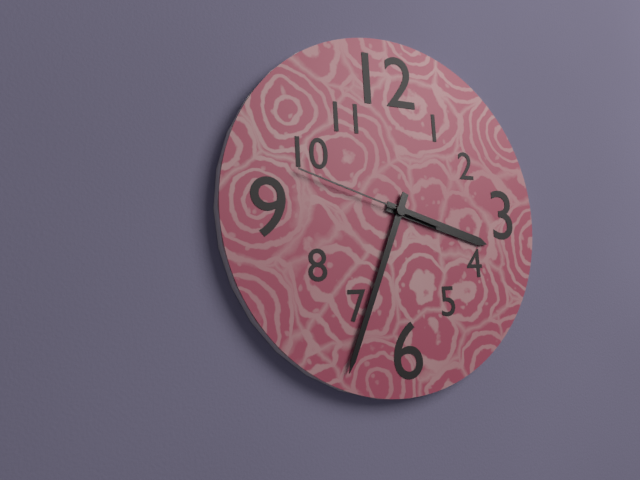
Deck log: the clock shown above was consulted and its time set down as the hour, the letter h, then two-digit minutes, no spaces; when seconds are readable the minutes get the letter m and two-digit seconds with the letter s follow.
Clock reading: 3h34m48s
